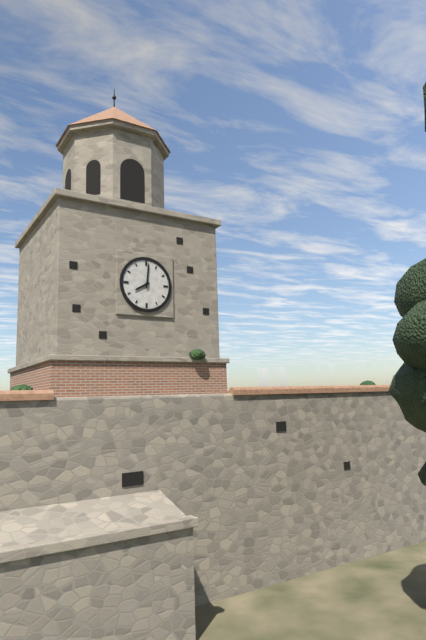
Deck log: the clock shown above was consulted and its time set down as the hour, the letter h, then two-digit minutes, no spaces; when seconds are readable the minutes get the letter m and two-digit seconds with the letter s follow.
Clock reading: 8h01
